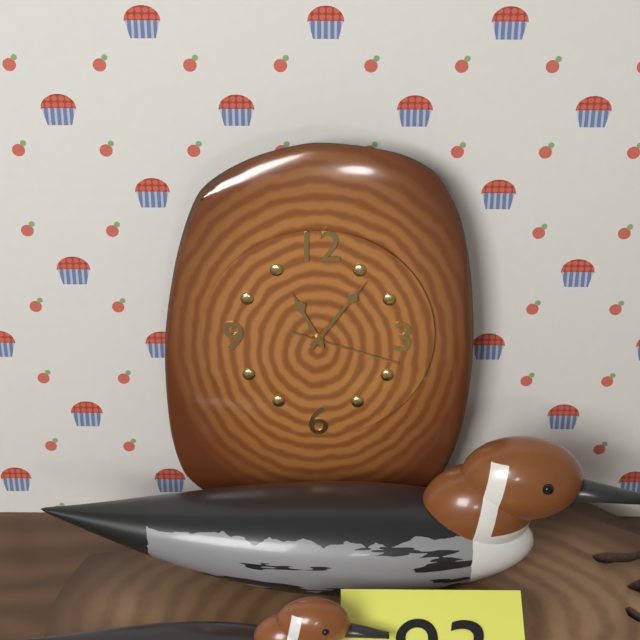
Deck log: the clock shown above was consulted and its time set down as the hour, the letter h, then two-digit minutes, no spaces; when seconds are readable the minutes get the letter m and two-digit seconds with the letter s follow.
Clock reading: 11h06m18s
